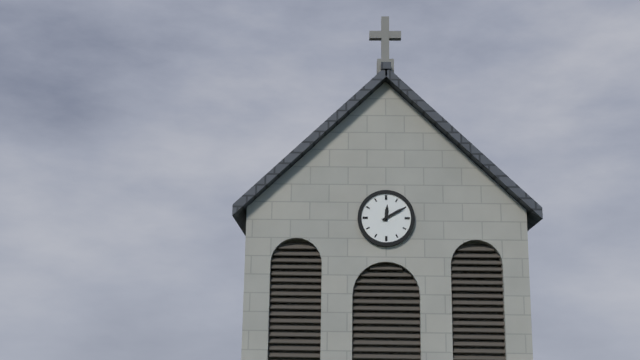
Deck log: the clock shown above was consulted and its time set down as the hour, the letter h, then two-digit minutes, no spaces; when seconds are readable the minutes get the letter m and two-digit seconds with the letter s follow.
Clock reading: 12h10
